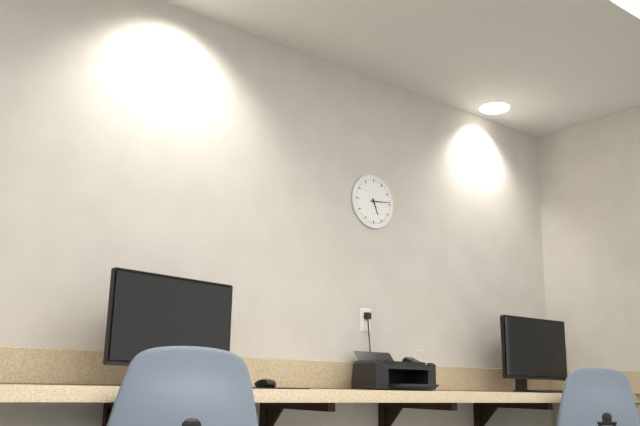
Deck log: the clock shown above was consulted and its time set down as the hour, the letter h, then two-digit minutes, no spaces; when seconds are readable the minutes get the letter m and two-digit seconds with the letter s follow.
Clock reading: 5h14
